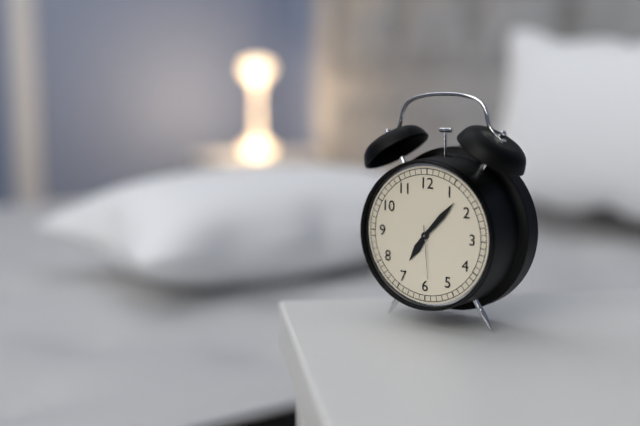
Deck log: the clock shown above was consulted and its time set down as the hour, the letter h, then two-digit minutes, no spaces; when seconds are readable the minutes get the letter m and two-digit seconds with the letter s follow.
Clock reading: 7h07m29s
